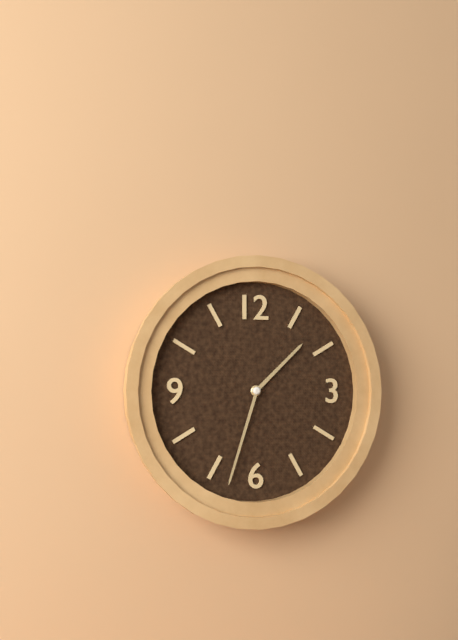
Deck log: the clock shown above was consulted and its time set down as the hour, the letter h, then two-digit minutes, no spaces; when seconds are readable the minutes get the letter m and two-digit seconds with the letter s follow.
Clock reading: 1h33
